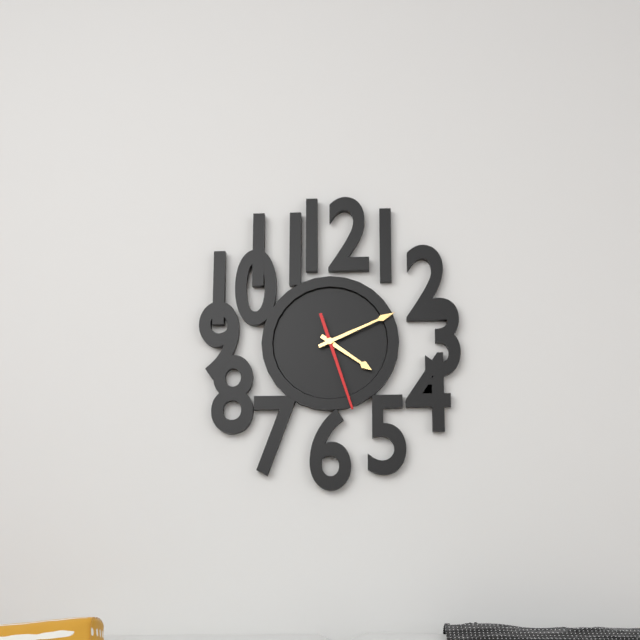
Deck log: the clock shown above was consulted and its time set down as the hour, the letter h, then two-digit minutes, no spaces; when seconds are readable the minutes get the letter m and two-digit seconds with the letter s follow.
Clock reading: 4h11m27s
